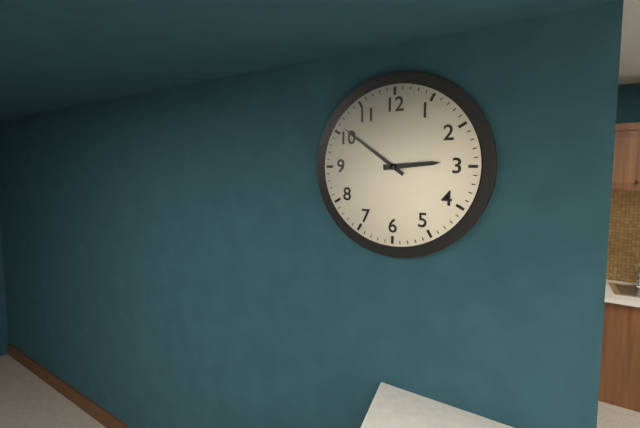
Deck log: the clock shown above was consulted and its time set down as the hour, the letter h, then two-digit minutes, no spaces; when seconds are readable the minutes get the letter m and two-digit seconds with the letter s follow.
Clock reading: 2h51
